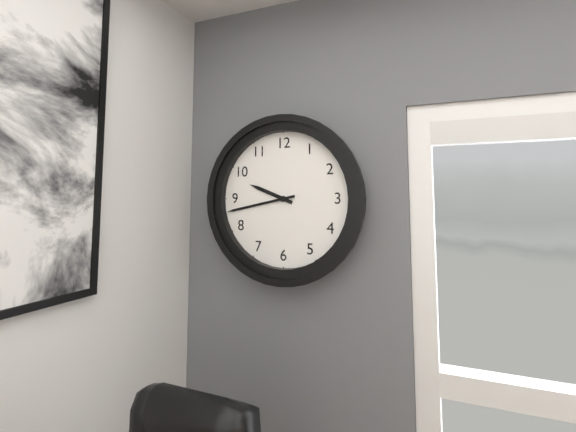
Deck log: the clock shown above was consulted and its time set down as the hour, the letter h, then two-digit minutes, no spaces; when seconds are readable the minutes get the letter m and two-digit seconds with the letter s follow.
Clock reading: 9h43
